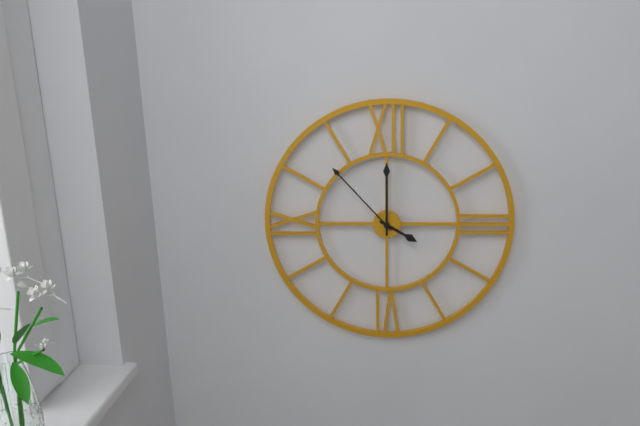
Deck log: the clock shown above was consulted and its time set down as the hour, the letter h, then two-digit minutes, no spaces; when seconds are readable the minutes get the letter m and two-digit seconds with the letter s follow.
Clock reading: 4h00m53s
